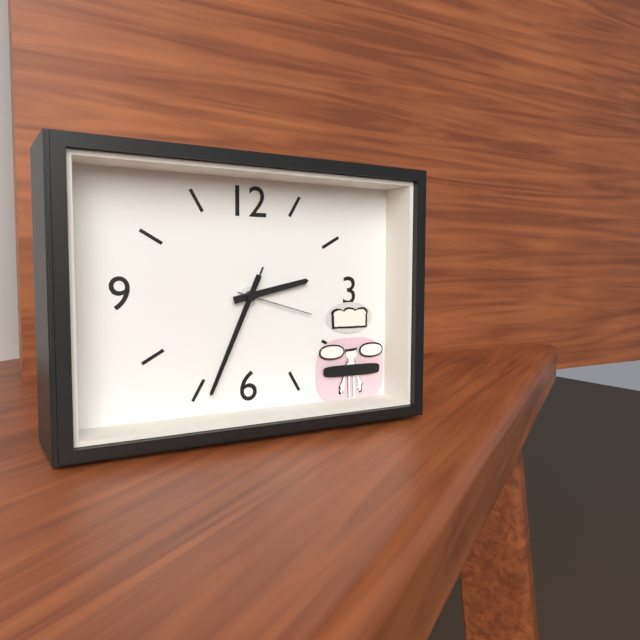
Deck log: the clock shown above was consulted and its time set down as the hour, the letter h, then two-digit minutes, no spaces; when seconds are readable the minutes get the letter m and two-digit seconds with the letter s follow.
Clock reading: 2h34m34s
